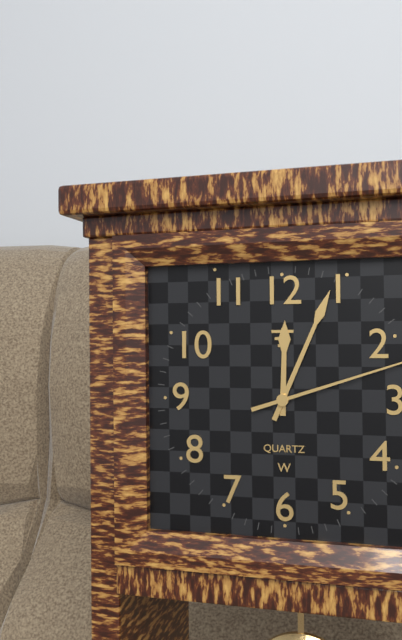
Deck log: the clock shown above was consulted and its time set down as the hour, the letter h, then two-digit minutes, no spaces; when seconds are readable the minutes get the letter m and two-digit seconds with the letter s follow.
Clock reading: 12h04
